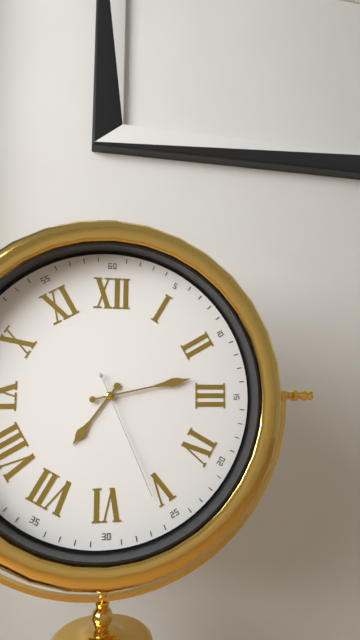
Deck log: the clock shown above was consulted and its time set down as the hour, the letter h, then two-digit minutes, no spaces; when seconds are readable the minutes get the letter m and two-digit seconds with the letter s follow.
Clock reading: 7h13m26s
